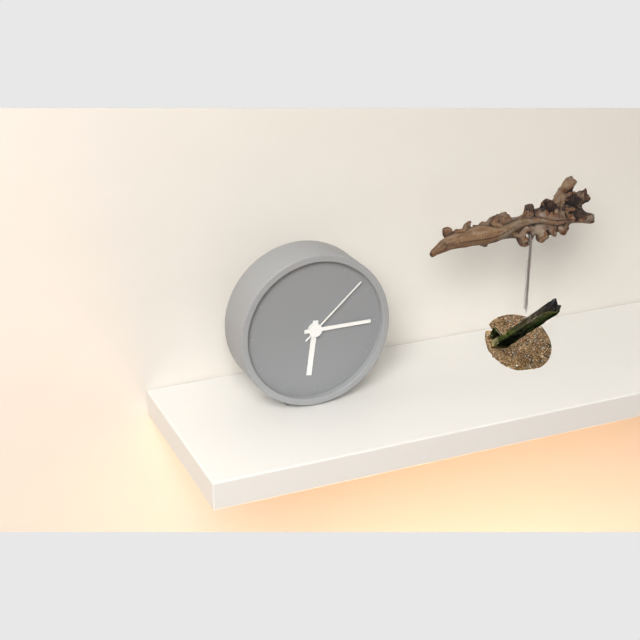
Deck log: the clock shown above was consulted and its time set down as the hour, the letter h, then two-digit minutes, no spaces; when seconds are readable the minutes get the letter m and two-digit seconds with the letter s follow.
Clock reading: 6h15m08s
